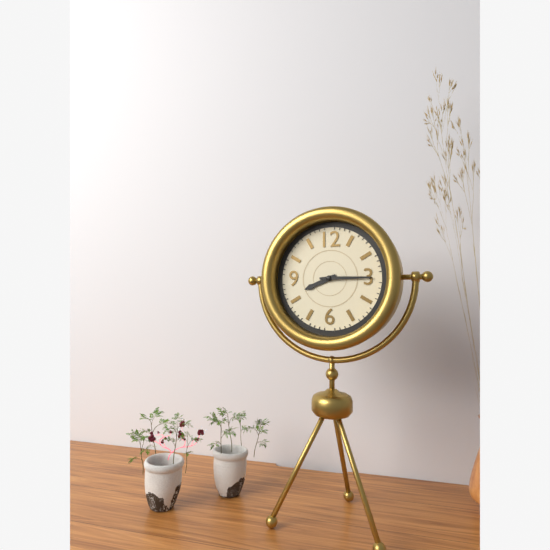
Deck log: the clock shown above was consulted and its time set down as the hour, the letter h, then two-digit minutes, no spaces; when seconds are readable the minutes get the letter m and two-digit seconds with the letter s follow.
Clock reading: 8h15
